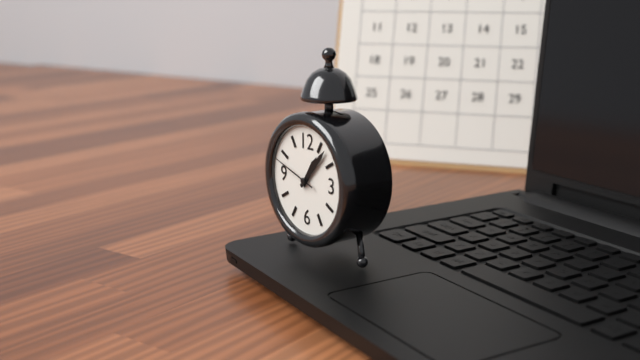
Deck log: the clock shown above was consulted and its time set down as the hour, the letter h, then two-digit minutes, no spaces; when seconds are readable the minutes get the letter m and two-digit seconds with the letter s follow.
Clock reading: 1h07m48s
